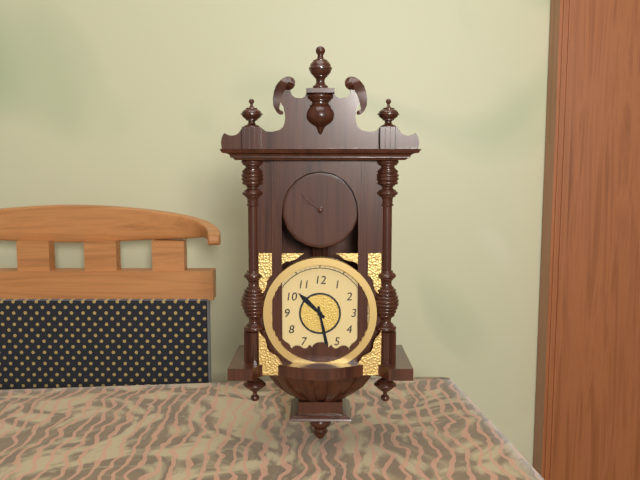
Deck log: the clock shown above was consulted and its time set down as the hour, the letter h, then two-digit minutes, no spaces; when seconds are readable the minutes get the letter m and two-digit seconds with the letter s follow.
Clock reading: 10h28
